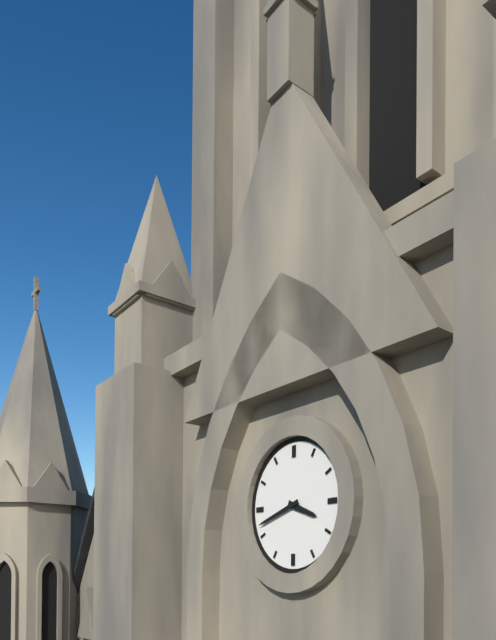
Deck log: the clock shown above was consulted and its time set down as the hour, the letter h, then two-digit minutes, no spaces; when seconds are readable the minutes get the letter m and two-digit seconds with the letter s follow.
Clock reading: 3h42
